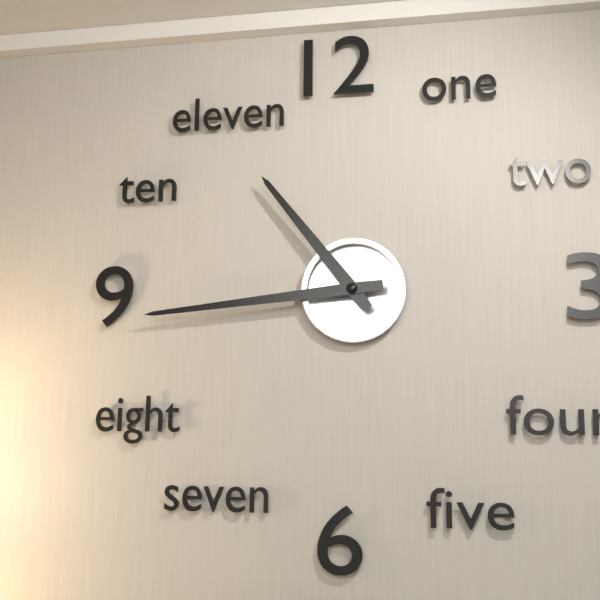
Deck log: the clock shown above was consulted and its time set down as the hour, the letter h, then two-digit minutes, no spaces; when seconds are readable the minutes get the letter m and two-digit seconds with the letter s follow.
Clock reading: 10h44
